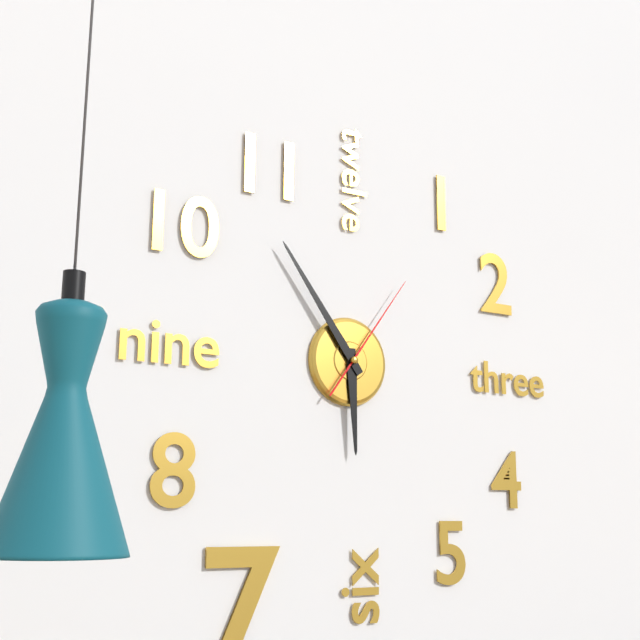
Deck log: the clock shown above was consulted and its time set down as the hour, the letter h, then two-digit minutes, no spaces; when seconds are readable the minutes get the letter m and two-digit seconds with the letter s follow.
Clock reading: 5h54m06s
